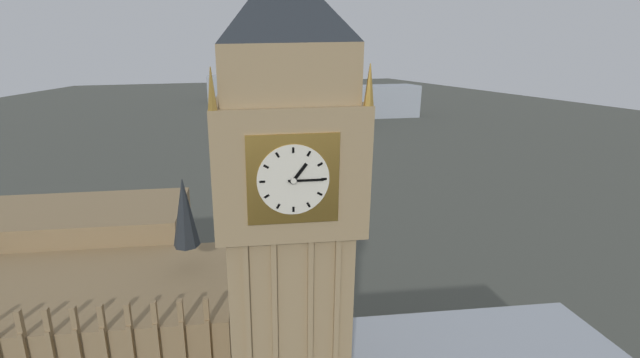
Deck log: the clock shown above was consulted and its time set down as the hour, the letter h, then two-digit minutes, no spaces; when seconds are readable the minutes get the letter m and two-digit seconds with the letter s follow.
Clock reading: 1h15
